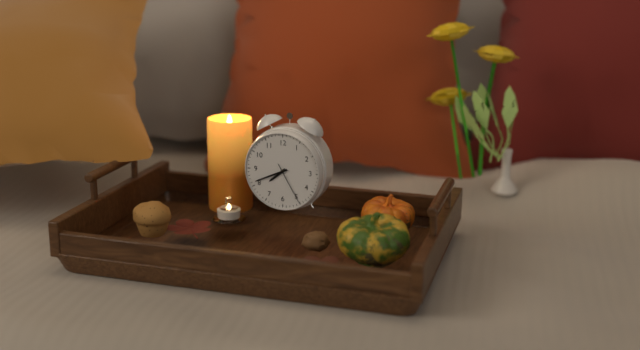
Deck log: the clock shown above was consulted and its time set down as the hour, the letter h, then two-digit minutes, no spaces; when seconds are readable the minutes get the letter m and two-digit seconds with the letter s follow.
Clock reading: 7h41
